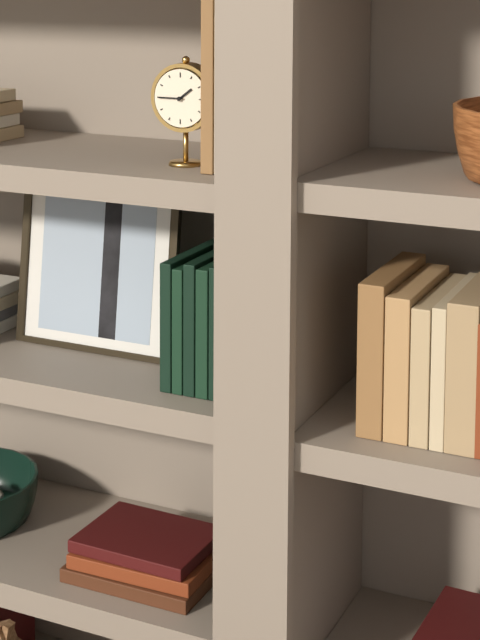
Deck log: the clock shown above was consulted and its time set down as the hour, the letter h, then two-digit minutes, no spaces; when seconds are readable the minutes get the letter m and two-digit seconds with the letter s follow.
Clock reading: 1h45
